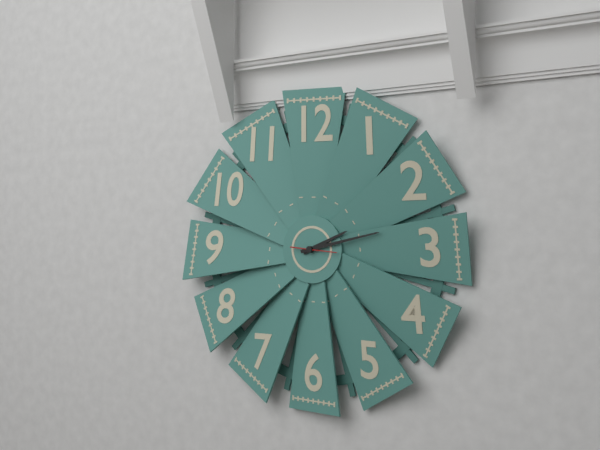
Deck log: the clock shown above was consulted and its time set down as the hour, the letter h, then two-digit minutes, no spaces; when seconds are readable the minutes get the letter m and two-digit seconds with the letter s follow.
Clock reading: 2h13
